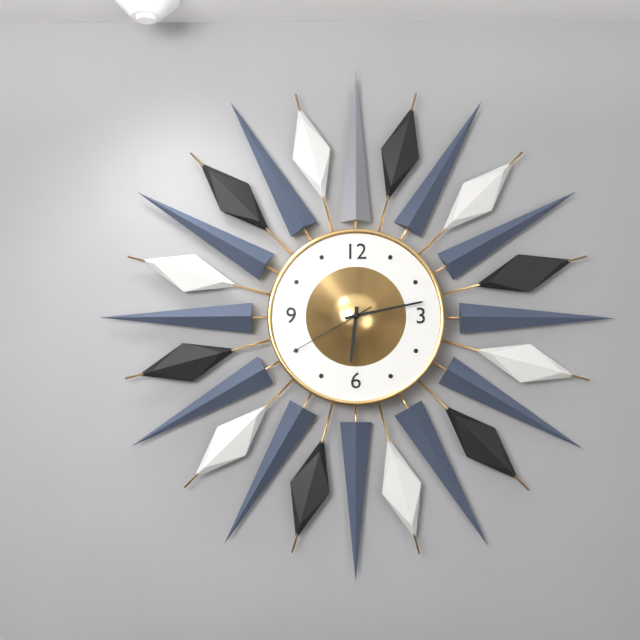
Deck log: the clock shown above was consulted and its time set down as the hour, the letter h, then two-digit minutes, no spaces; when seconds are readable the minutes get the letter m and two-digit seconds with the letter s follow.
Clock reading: 6h13m40s
